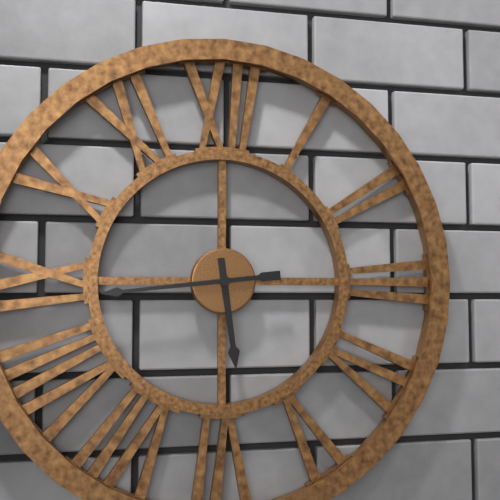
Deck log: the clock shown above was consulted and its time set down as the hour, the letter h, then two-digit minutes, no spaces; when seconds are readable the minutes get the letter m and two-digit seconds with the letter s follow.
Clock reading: 5h44
